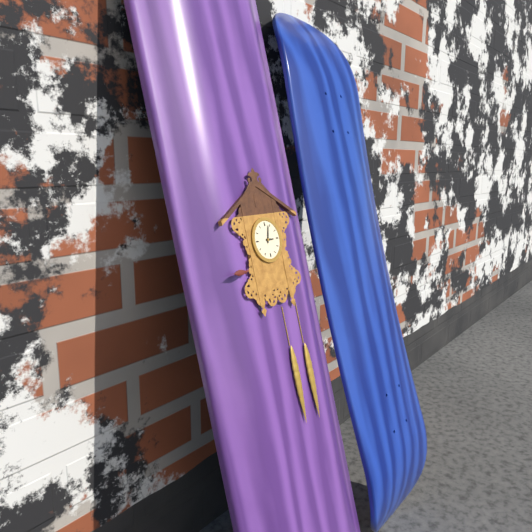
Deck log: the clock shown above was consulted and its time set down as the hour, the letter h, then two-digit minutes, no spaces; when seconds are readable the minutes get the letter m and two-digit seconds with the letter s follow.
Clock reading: 3h03
